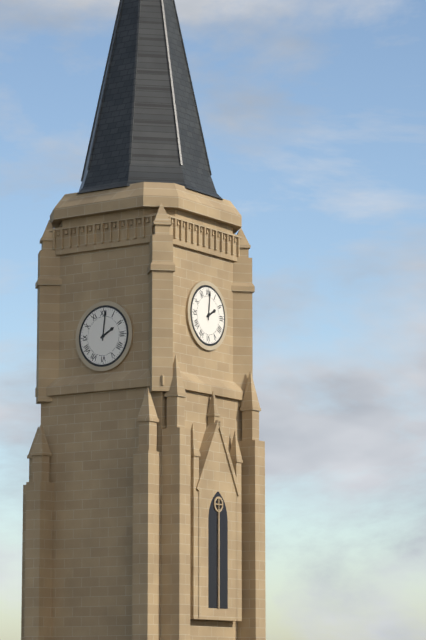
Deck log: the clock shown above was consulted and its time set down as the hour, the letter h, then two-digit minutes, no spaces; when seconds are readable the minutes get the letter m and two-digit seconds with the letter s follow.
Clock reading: 2h01
